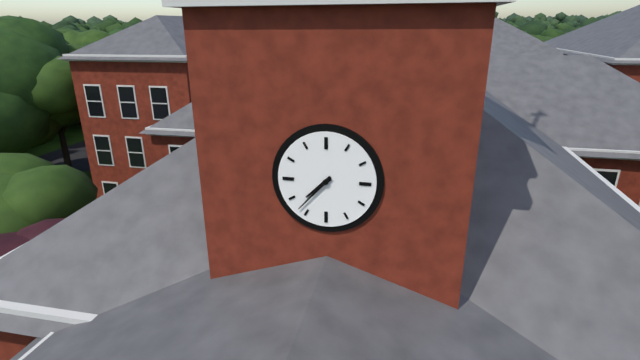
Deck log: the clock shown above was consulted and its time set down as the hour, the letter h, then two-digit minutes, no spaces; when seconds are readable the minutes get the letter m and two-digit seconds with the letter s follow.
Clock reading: 7h37
